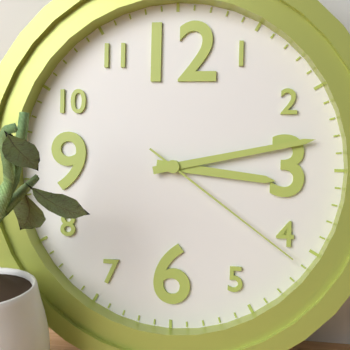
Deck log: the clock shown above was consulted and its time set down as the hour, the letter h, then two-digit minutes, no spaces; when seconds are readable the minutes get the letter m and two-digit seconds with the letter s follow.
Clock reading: 3h13m21s
